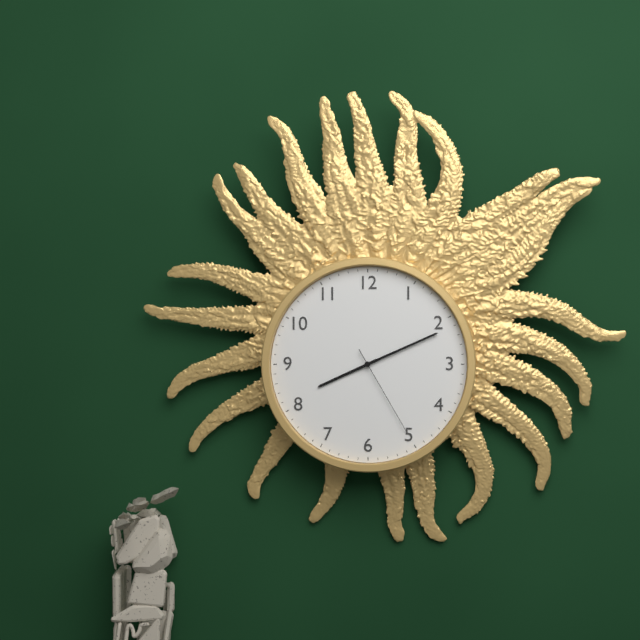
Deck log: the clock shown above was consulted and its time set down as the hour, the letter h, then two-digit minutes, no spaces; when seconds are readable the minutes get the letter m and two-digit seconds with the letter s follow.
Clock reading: 8h11m25s
